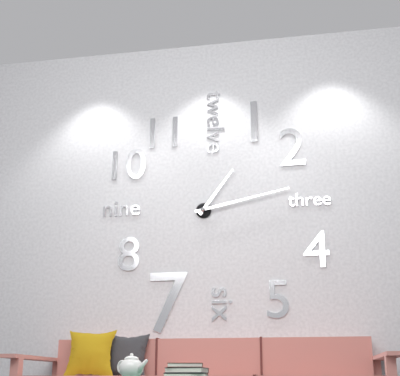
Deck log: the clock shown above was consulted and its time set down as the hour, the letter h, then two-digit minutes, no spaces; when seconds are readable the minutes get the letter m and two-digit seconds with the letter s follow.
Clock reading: 1h13
